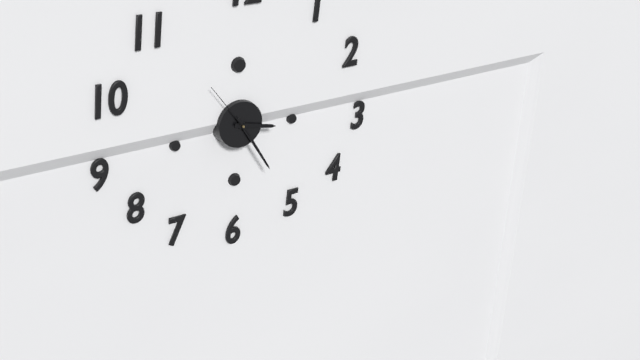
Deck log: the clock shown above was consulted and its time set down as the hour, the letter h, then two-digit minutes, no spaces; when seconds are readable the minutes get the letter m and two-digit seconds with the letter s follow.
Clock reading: 3h25m54s
